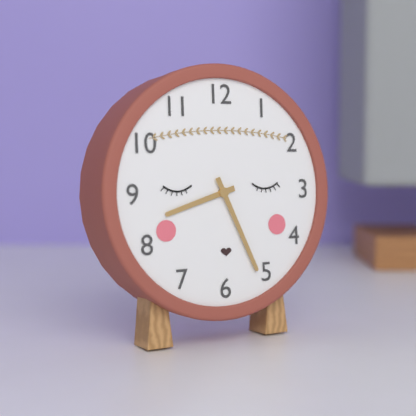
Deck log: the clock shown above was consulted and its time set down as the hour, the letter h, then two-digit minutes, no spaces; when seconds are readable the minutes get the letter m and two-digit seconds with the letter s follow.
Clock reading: 8h26
